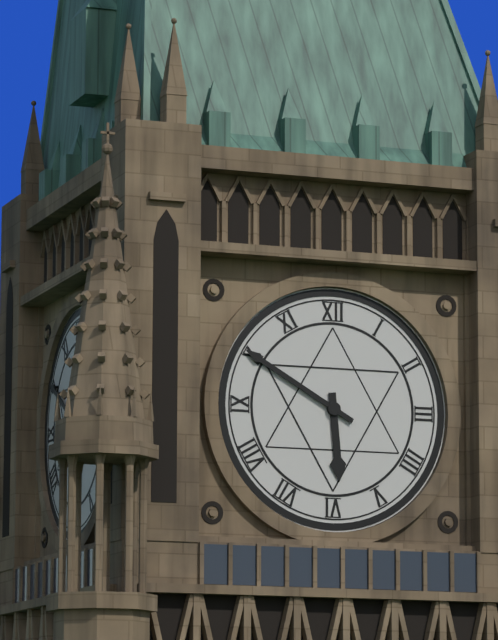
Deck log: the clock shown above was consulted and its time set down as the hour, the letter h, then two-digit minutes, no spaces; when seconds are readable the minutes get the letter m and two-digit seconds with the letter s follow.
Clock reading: 5h50
